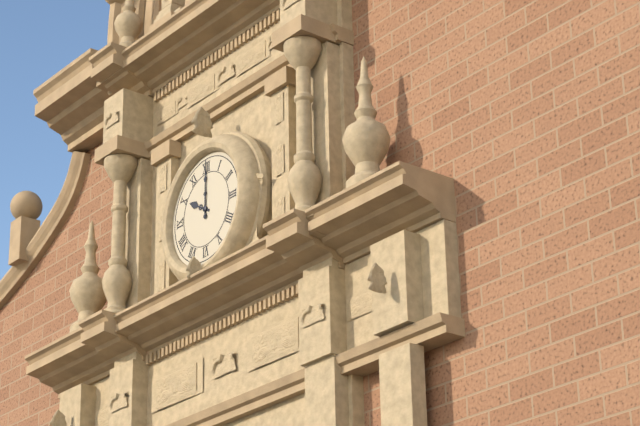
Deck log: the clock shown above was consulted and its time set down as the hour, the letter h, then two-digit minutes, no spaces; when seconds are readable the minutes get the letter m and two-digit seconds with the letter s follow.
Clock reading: 10h00
